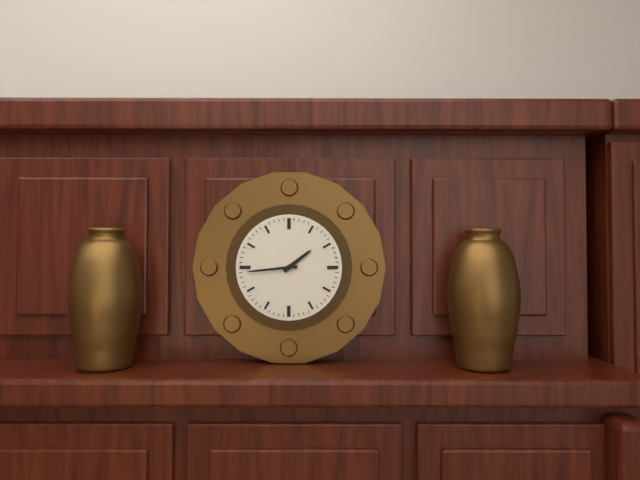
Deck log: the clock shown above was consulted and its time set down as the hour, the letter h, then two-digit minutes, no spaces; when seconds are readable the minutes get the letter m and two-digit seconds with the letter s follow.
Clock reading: 1h44
